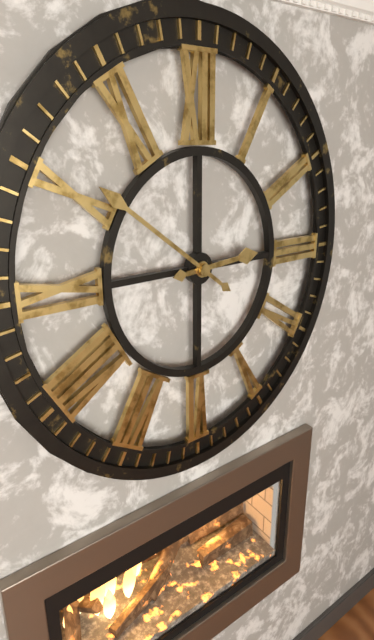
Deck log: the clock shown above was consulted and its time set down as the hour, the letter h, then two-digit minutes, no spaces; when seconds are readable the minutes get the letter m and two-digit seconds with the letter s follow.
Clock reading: 2h51
